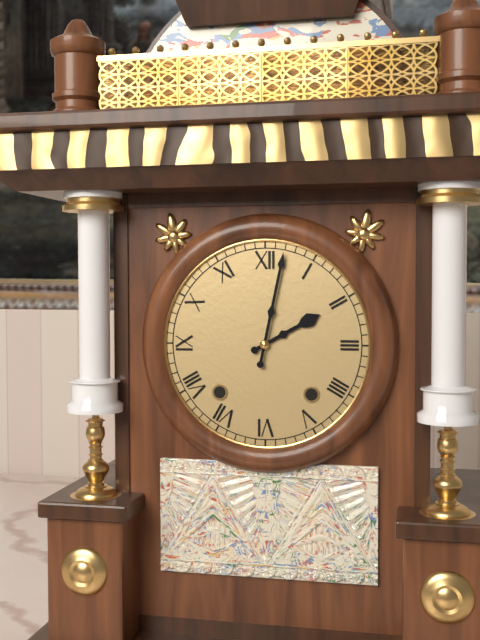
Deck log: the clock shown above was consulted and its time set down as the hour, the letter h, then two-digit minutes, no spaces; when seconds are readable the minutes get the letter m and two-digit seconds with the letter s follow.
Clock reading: 2h02
